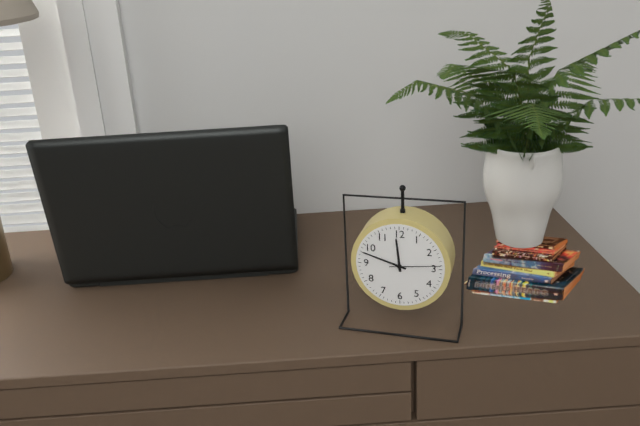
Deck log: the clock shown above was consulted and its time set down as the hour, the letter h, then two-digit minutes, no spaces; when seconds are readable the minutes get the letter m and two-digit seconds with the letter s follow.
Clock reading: 11h48
